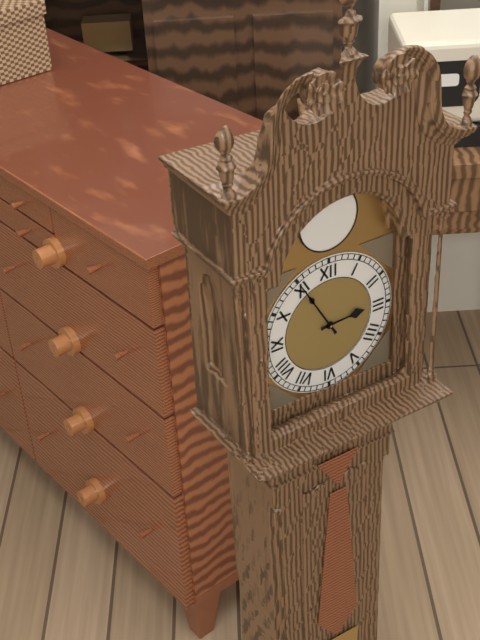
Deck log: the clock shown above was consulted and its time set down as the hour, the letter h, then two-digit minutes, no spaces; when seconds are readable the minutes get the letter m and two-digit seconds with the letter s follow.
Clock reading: 2h55
